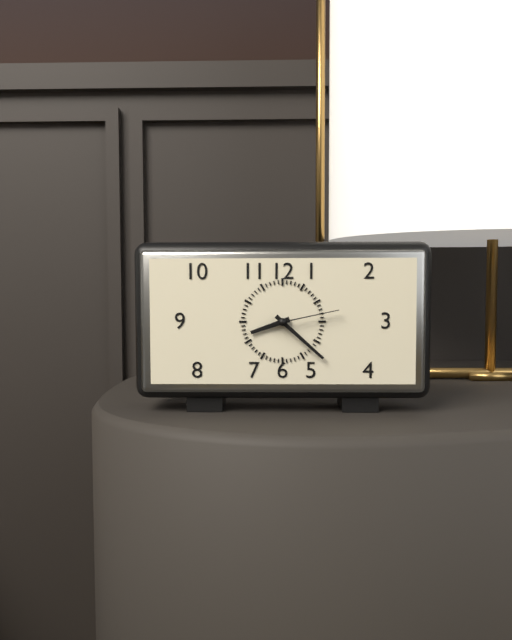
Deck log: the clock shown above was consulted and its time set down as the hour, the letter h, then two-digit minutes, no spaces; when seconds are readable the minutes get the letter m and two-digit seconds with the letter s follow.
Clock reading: 8h22m13s
